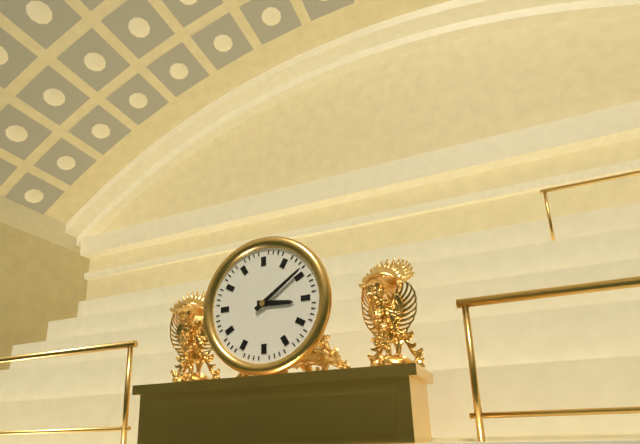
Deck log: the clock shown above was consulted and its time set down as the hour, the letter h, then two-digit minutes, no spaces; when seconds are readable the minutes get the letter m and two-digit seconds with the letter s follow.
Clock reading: 3h09
